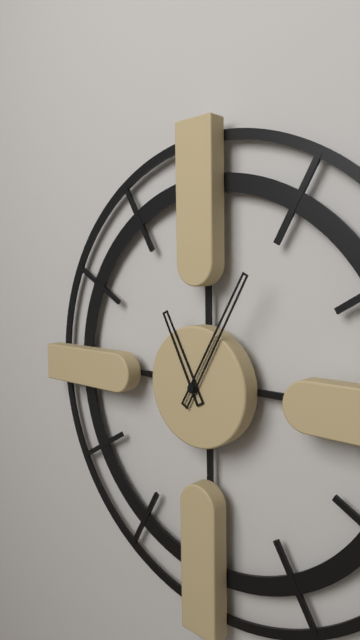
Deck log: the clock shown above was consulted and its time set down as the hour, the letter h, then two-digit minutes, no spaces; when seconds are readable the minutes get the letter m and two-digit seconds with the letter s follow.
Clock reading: 11h05
